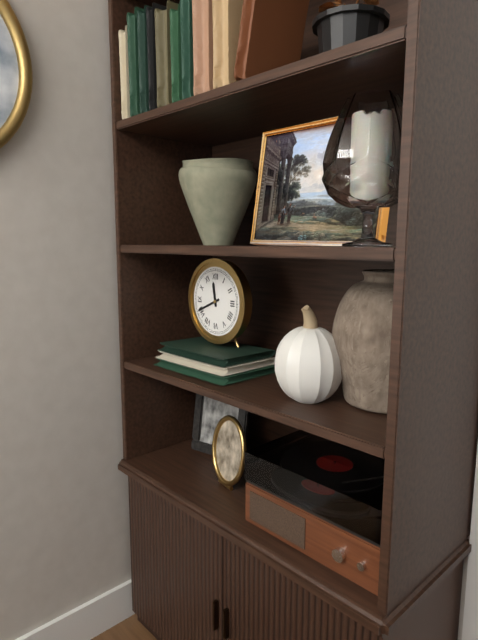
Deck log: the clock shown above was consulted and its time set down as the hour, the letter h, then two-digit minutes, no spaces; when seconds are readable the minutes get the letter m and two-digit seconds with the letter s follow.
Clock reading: 11h41
